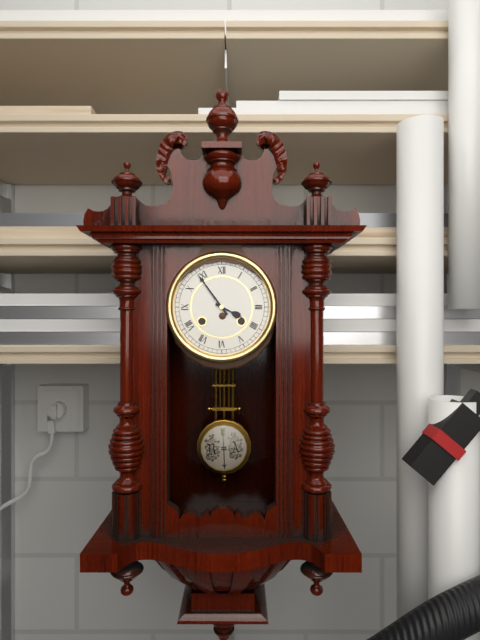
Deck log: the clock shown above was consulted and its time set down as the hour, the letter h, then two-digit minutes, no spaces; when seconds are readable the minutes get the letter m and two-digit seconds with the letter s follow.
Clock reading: 3h54
